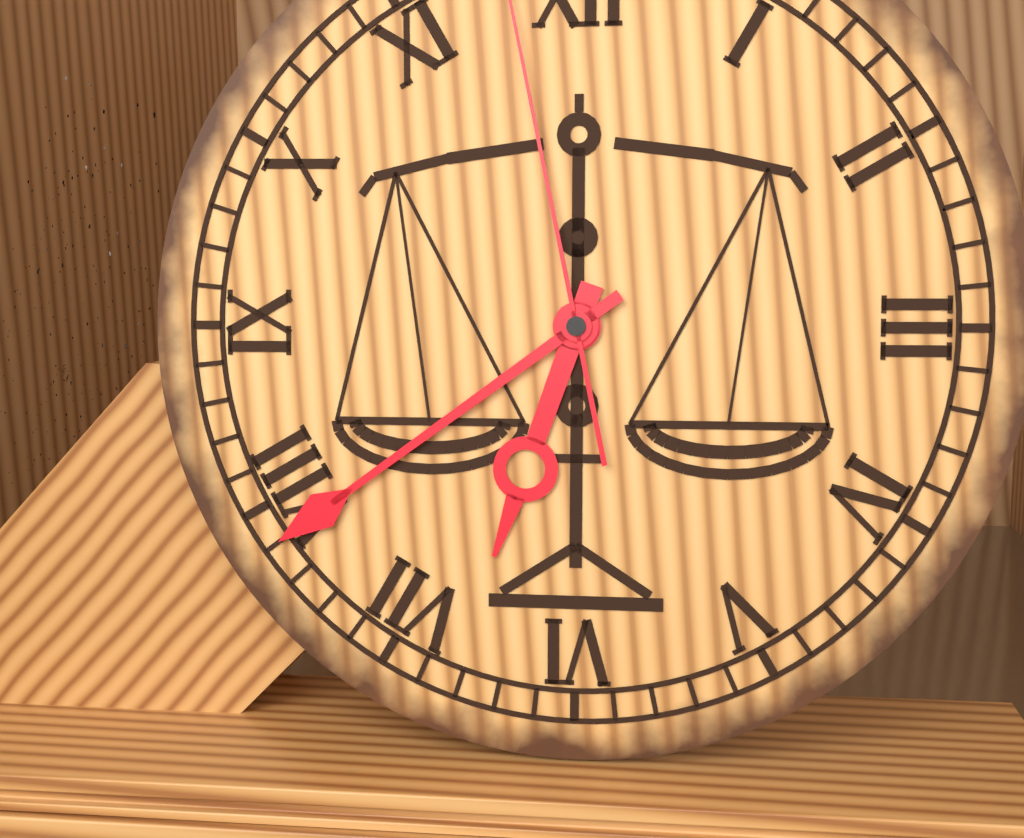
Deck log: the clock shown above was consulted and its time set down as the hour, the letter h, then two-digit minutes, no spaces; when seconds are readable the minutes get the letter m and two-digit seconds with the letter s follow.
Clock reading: 6h39
